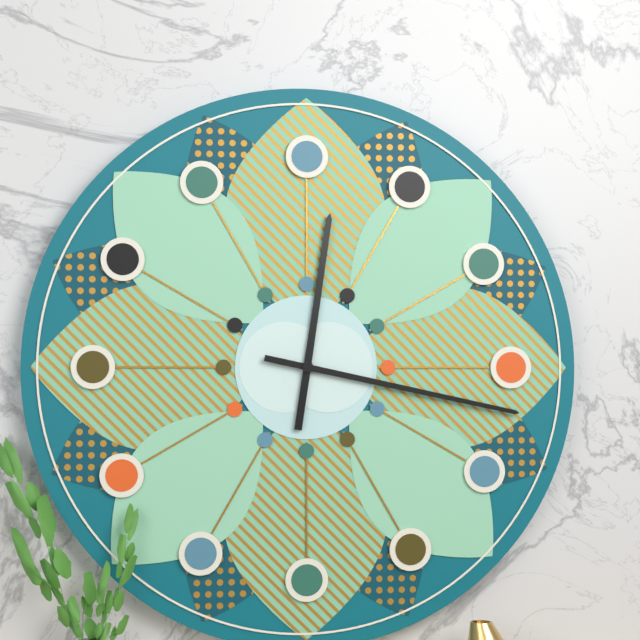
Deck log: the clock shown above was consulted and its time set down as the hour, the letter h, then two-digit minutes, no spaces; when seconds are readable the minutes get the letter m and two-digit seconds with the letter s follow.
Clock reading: 12h17
